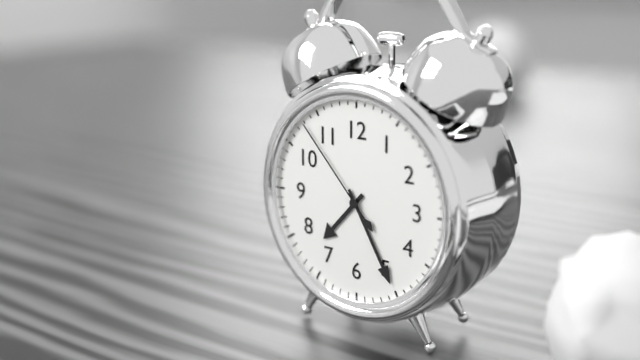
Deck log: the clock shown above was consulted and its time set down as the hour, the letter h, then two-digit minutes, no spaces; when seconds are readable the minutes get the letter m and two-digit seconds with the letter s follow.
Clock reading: 7h25m53s
